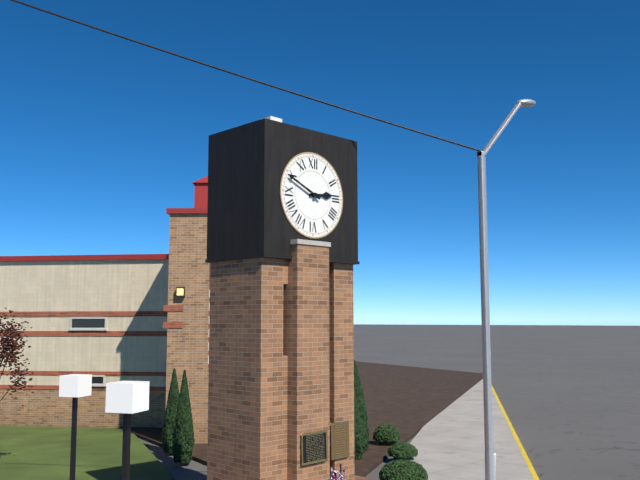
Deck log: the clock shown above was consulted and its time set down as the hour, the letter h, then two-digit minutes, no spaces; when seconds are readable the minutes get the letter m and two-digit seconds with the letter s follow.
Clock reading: 2h49
